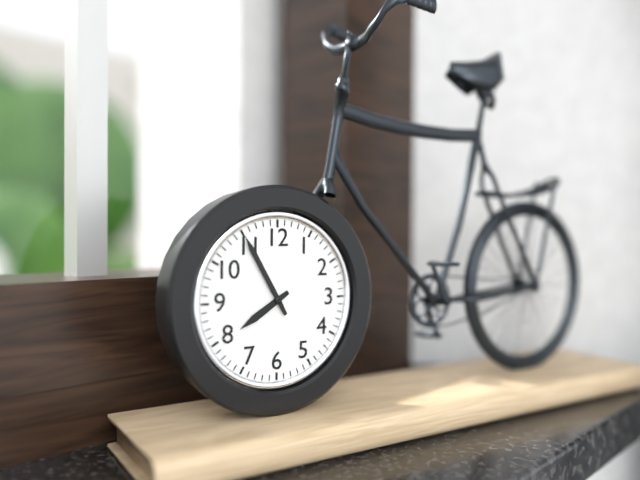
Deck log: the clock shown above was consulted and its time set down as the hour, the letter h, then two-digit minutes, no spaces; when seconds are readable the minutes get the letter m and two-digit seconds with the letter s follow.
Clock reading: 7h55
